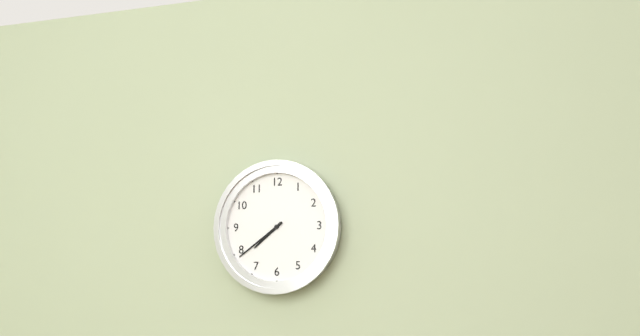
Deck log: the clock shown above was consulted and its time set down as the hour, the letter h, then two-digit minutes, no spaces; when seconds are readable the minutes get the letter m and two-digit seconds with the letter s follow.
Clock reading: 7h39
